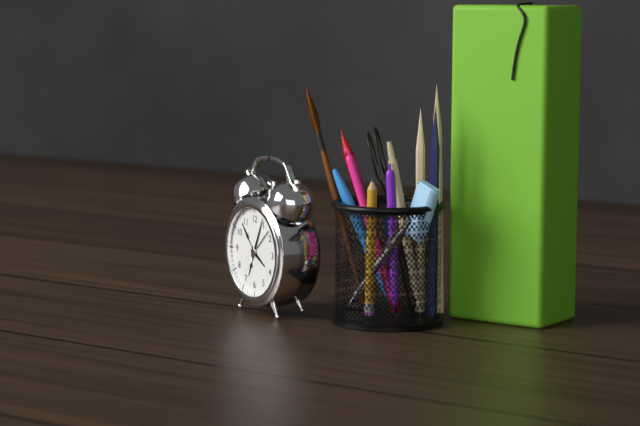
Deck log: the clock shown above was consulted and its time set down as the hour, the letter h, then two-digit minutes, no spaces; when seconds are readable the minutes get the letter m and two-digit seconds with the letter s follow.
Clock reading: 4h04
